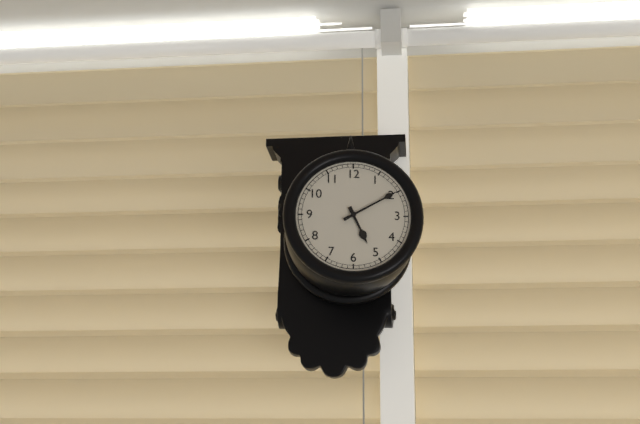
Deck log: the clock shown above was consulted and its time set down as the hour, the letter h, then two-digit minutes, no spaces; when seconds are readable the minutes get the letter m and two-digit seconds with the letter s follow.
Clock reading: 5h10
